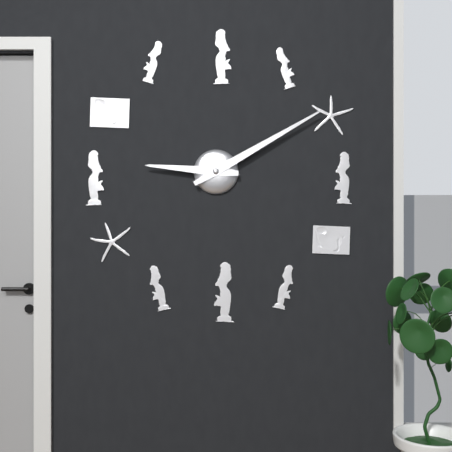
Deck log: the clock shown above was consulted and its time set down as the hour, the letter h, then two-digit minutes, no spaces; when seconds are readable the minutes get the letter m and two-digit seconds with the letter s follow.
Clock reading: 9h10
